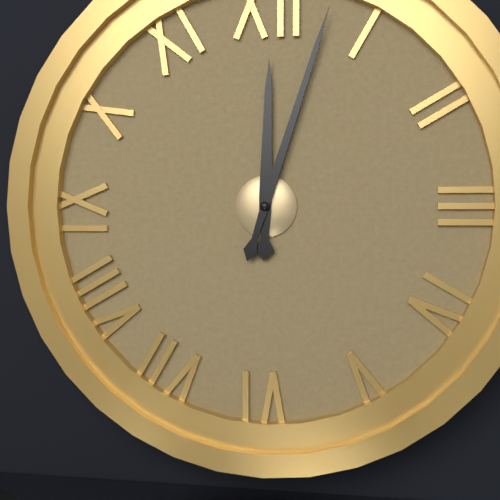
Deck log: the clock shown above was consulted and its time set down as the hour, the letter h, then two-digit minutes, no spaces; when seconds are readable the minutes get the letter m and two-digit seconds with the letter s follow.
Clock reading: 12h03
